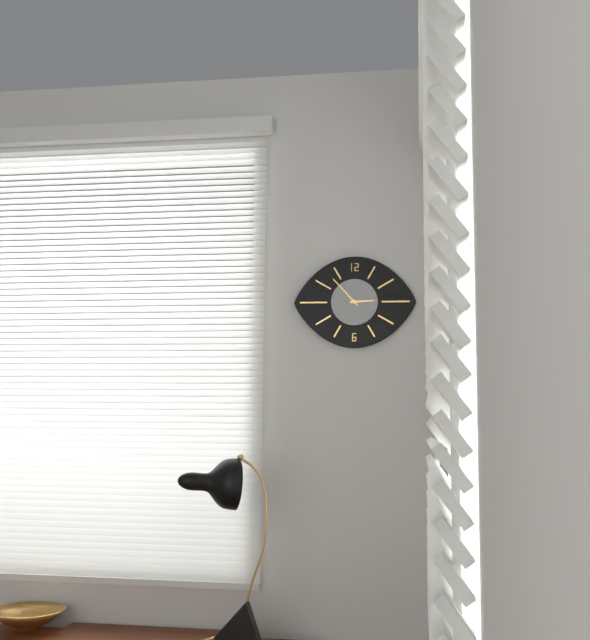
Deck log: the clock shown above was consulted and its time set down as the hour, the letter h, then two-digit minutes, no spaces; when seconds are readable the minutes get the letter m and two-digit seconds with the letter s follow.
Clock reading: 2h53
